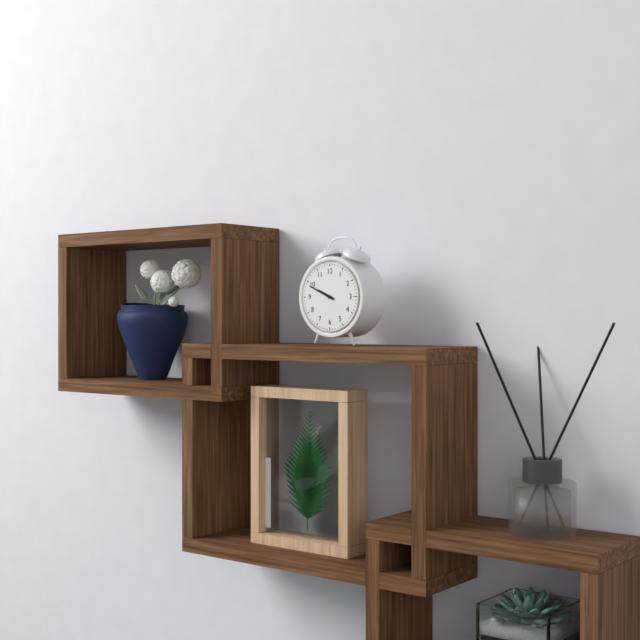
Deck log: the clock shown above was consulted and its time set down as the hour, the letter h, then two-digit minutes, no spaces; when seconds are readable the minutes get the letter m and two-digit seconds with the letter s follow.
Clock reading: 9h49
